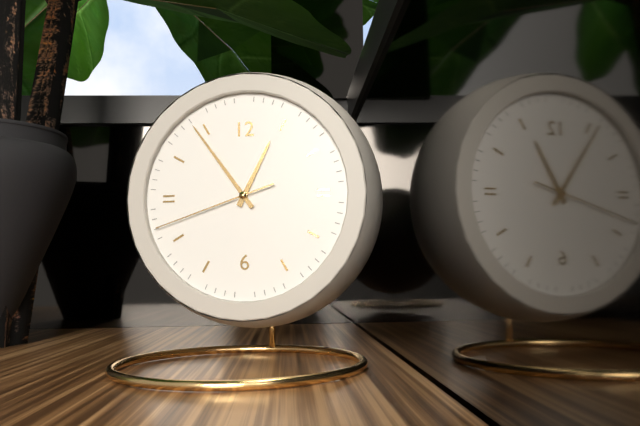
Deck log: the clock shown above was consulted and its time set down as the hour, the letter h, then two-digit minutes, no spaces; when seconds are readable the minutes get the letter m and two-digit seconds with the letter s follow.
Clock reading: 12h54m42s
